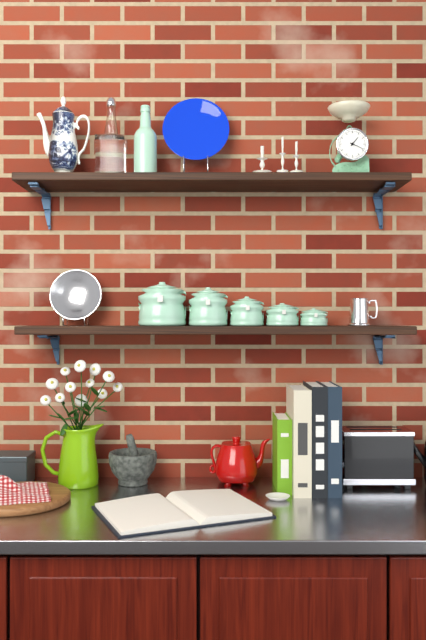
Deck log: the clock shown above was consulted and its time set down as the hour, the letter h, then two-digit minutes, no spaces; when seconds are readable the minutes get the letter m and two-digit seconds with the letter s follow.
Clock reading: 1h19
